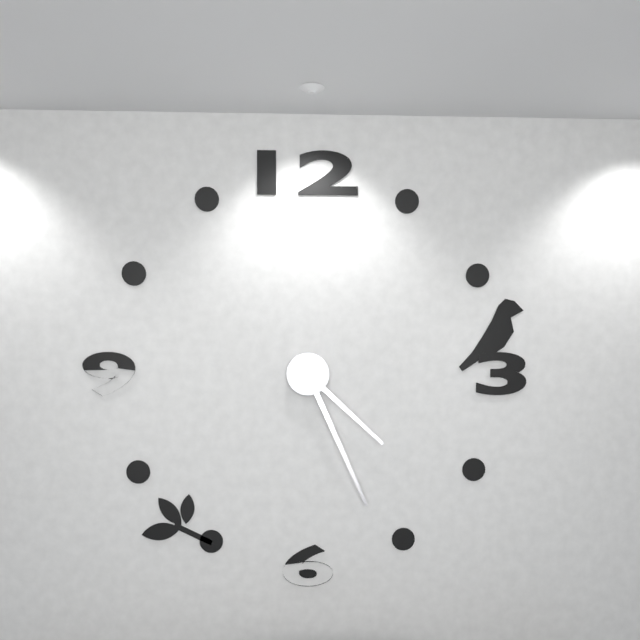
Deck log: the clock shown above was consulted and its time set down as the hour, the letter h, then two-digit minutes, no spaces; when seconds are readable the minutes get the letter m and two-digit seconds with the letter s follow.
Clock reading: 4h26
